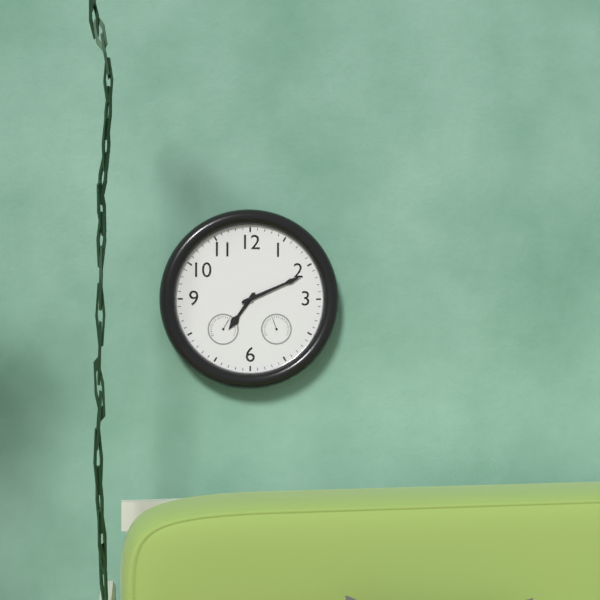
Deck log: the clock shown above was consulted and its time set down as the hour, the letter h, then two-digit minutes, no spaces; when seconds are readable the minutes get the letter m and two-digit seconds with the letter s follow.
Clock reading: 7h11
